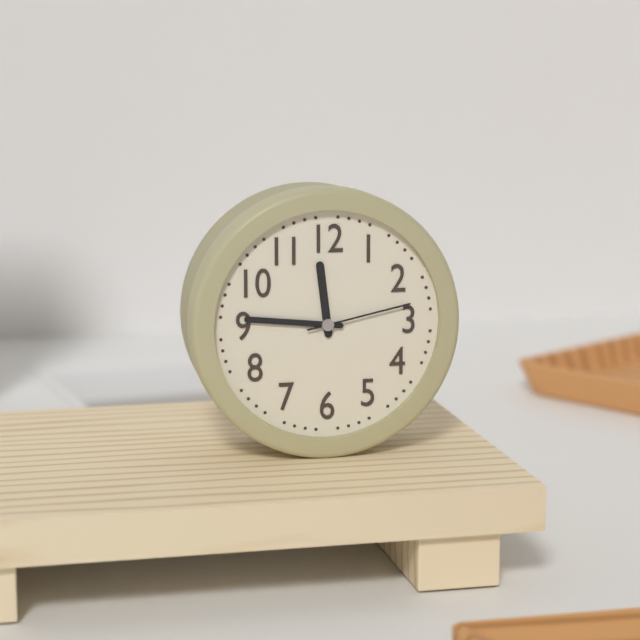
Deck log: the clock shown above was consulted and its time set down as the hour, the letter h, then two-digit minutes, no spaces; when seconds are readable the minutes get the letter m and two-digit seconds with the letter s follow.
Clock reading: 11h46m13s
